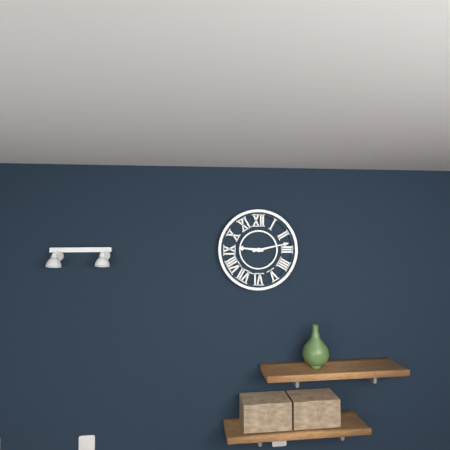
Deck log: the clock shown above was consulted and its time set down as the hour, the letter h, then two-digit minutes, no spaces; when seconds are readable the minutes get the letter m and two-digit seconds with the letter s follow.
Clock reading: 9h13
